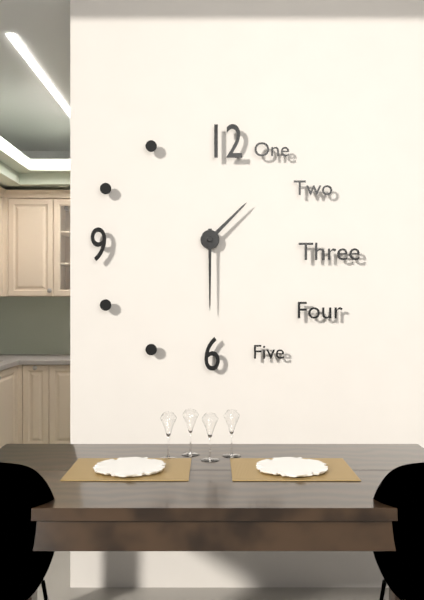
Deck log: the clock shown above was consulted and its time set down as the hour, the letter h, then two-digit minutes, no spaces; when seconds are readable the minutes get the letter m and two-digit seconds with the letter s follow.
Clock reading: 1h30
